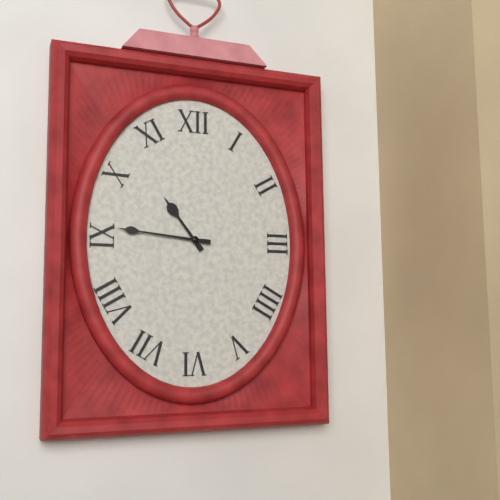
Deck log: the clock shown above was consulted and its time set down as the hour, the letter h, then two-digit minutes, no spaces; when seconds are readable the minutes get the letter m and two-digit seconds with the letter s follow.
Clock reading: 10h46
